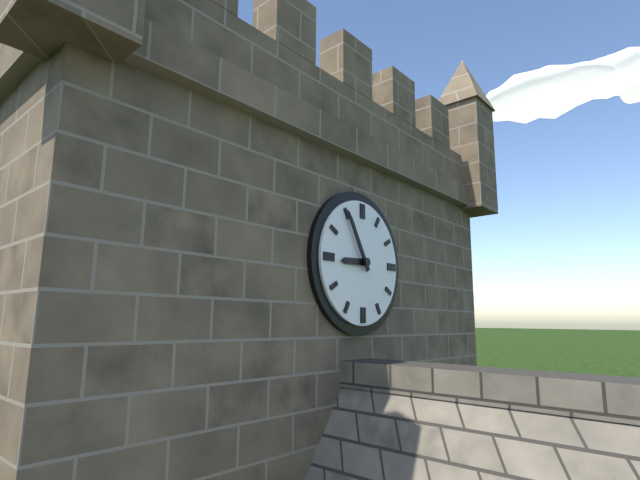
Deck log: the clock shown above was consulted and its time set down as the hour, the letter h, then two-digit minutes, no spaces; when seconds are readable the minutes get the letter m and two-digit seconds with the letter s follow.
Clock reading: 8h55
